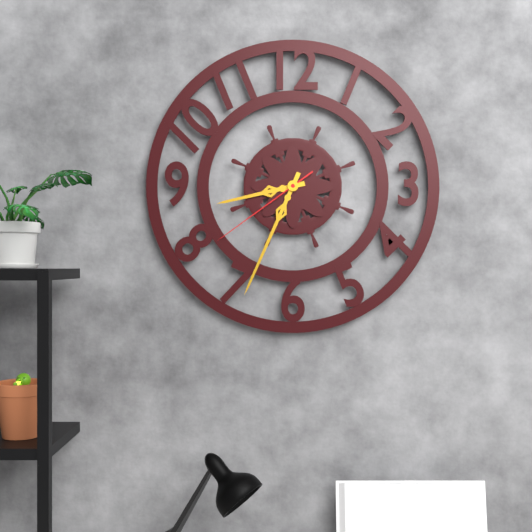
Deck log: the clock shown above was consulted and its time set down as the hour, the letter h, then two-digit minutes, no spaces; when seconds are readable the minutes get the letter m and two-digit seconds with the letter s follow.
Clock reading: 8h34m39s
